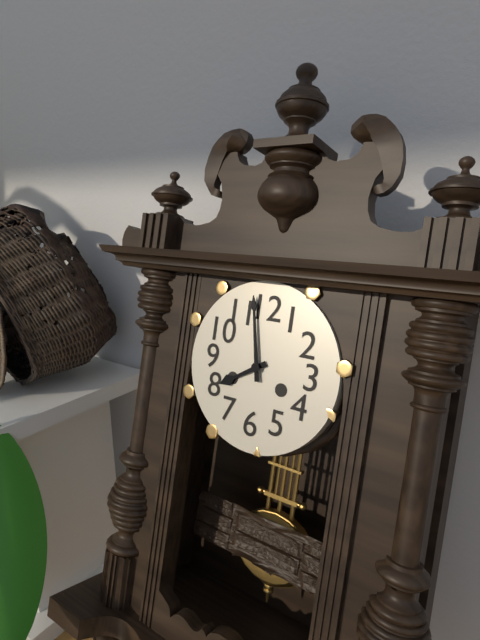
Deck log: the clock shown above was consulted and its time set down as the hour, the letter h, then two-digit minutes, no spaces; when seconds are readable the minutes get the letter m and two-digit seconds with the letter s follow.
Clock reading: 7h58
